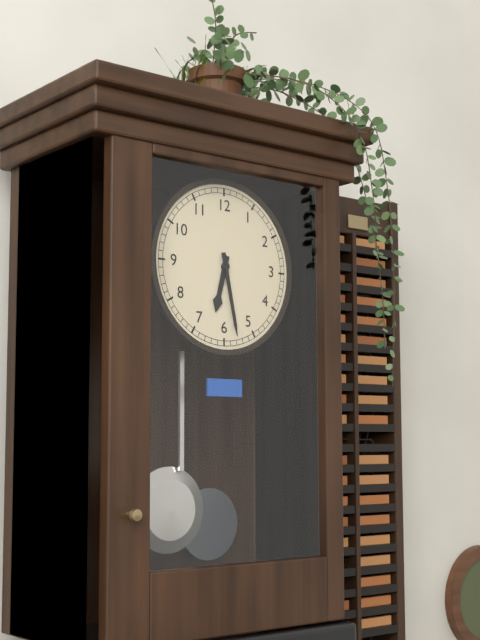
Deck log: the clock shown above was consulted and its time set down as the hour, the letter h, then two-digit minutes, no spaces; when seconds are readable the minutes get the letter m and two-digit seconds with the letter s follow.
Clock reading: 6h28
